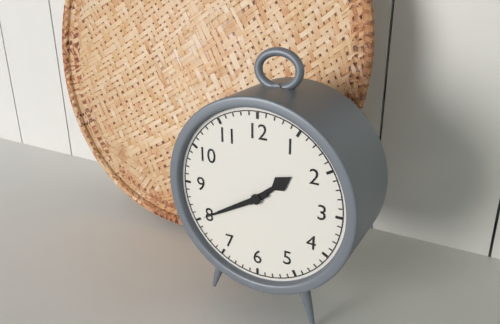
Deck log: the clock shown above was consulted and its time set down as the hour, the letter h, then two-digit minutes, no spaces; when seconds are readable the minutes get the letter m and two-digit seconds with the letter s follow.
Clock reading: 1h40
